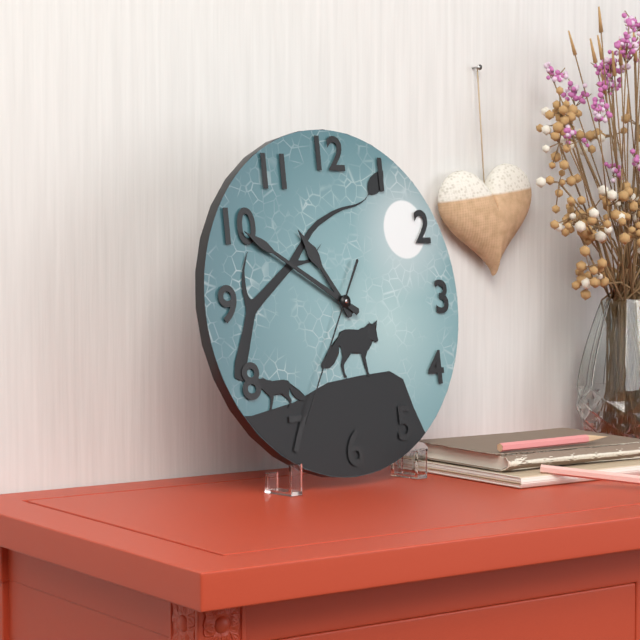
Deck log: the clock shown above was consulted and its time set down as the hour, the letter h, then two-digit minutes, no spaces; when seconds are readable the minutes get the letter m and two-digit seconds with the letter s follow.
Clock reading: 10h50m35s
